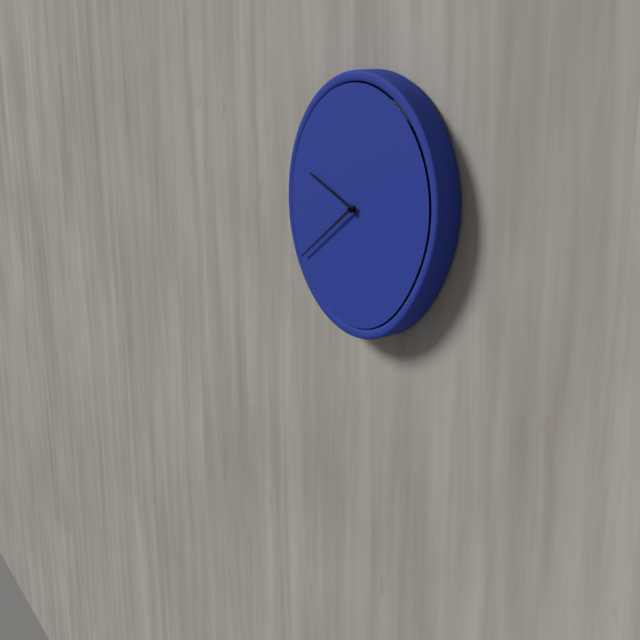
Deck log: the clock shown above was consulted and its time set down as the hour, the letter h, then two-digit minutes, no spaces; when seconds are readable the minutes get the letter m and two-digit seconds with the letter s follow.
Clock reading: 9h39
